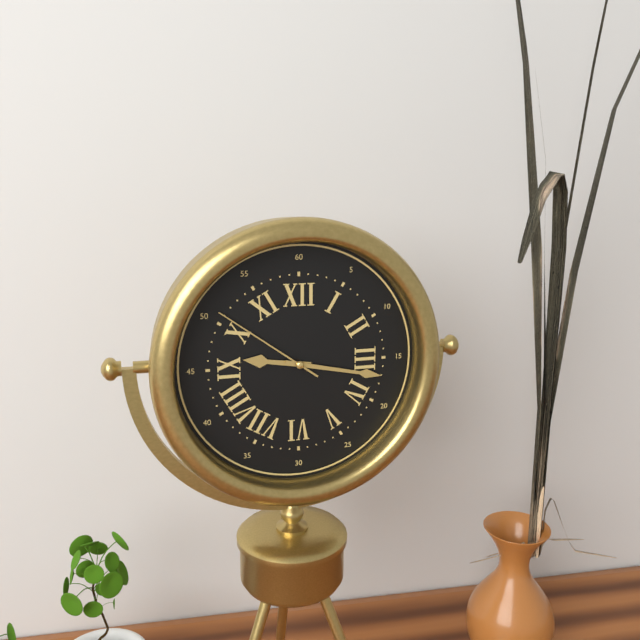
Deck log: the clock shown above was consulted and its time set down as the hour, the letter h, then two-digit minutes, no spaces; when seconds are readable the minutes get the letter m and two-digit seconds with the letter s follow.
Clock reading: 9h17m51s
